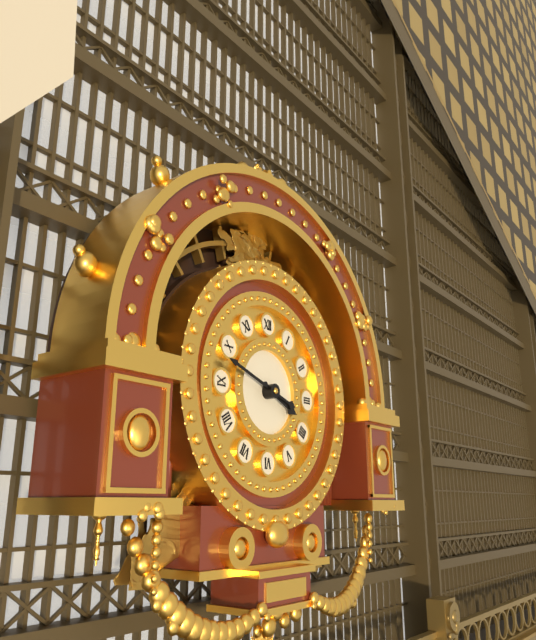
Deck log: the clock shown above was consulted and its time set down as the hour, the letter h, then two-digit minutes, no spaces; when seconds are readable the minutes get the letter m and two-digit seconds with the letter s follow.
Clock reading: 3h48
